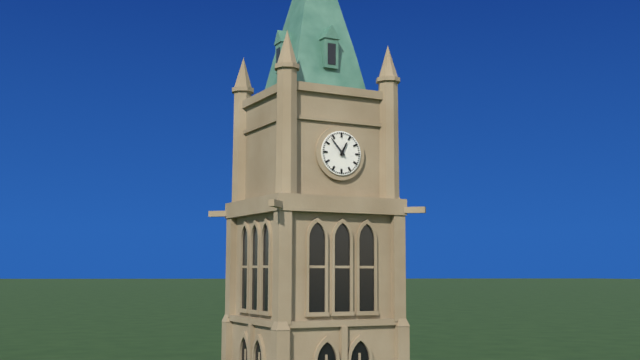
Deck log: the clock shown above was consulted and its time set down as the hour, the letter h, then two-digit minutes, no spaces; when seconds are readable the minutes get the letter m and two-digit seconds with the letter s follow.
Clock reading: 12h53
